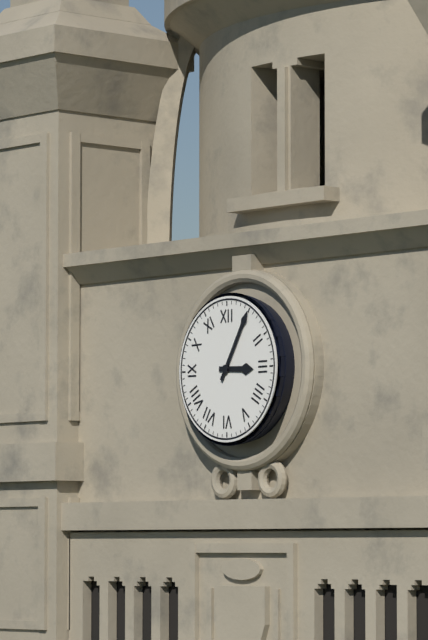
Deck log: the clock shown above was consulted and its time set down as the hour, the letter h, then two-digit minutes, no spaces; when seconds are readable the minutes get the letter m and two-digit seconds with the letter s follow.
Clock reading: 3h05
